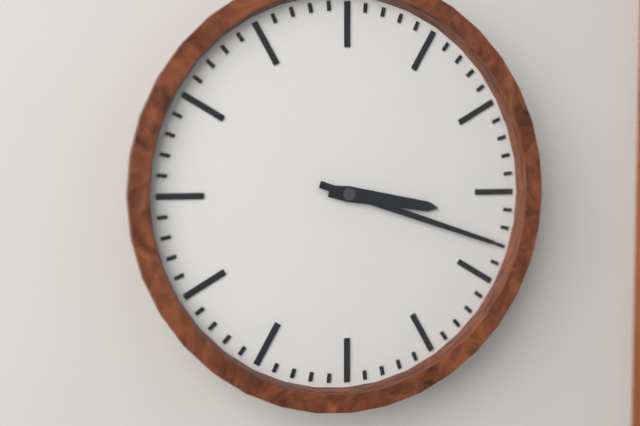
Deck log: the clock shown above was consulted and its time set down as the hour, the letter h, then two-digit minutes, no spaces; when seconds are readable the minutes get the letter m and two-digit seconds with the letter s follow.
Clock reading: 3h18
